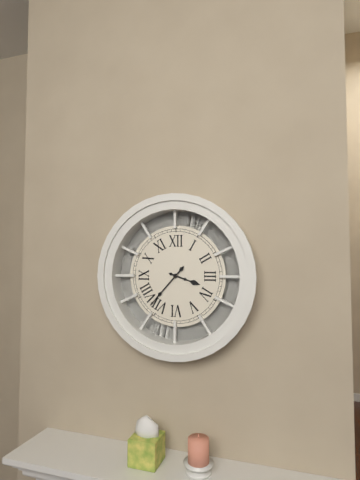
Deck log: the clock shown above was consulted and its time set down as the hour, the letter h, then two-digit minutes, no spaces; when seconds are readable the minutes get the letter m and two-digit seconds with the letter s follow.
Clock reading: 3h37
